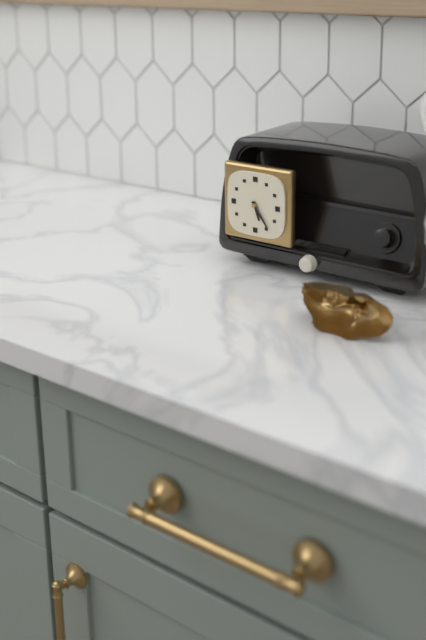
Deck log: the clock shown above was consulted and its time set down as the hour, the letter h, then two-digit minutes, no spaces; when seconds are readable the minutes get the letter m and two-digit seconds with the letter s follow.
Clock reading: 5h24
